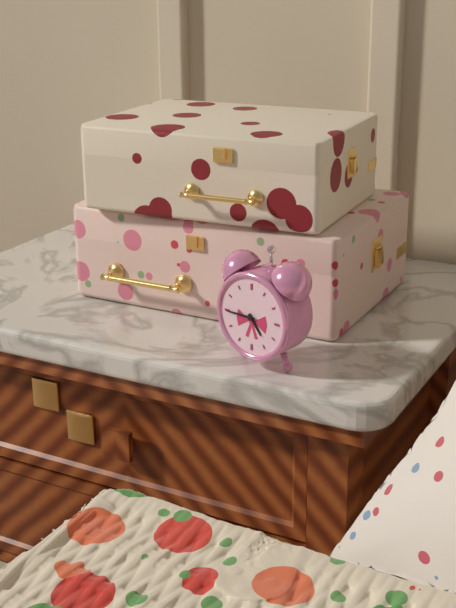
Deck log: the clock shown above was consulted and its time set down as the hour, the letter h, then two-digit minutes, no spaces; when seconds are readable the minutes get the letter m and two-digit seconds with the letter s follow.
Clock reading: 4h45
